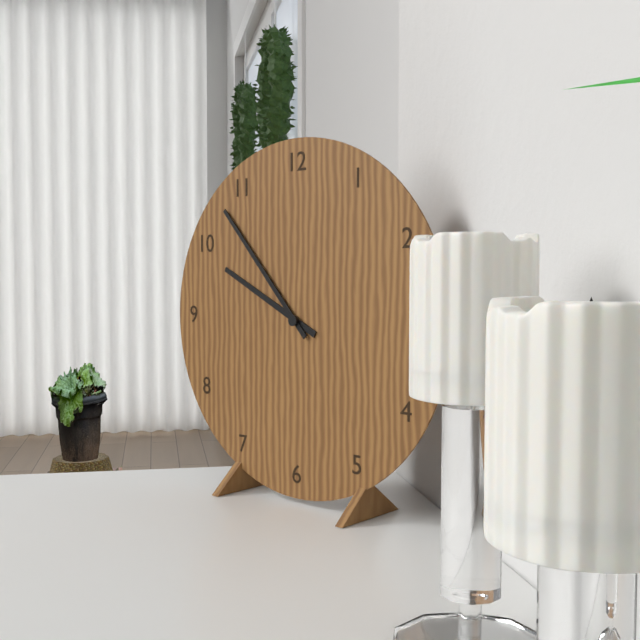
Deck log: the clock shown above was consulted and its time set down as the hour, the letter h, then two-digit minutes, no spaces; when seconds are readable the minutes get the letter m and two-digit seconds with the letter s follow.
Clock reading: 9h53
